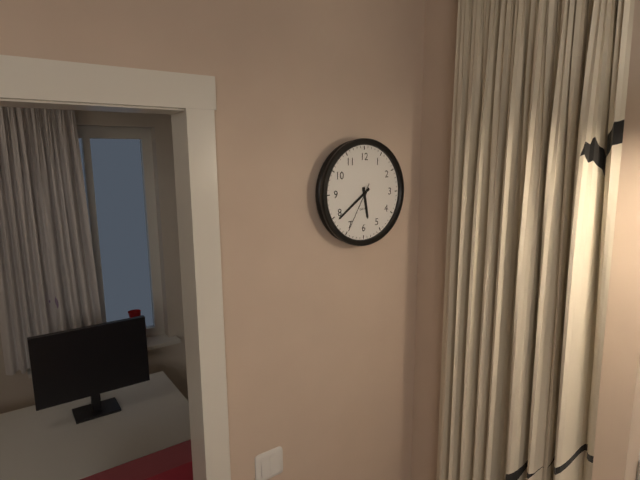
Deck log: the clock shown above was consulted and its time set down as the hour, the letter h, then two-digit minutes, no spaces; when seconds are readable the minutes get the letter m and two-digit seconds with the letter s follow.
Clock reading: 5h39m35s
